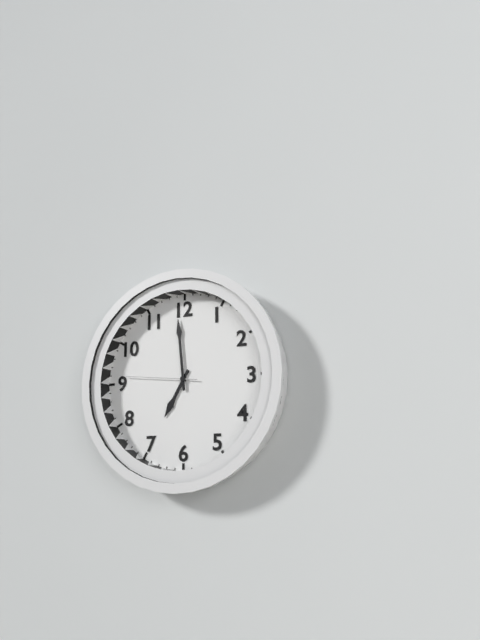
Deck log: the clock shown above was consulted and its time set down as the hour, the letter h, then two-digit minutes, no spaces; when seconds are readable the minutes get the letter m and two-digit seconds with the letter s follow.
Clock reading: 6h59m46s
